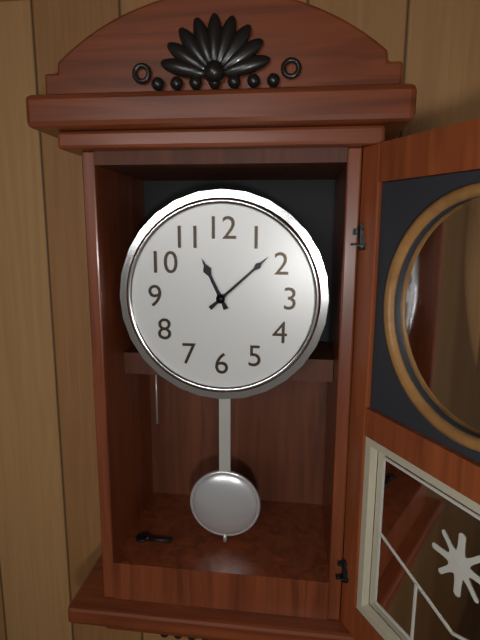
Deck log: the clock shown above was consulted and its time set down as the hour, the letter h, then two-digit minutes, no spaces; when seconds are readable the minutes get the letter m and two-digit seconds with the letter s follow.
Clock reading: 11h08
